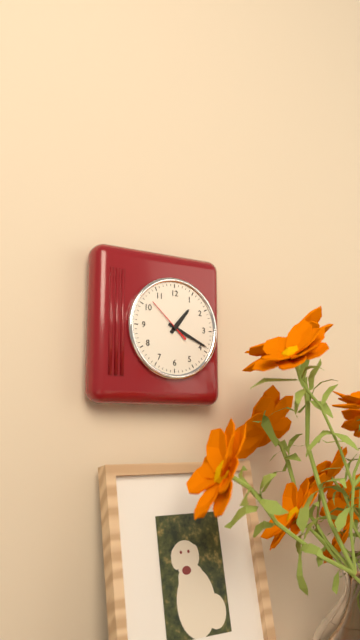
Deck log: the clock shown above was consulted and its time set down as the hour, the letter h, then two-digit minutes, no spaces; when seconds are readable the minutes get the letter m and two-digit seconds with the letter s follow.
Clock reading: 1h19
